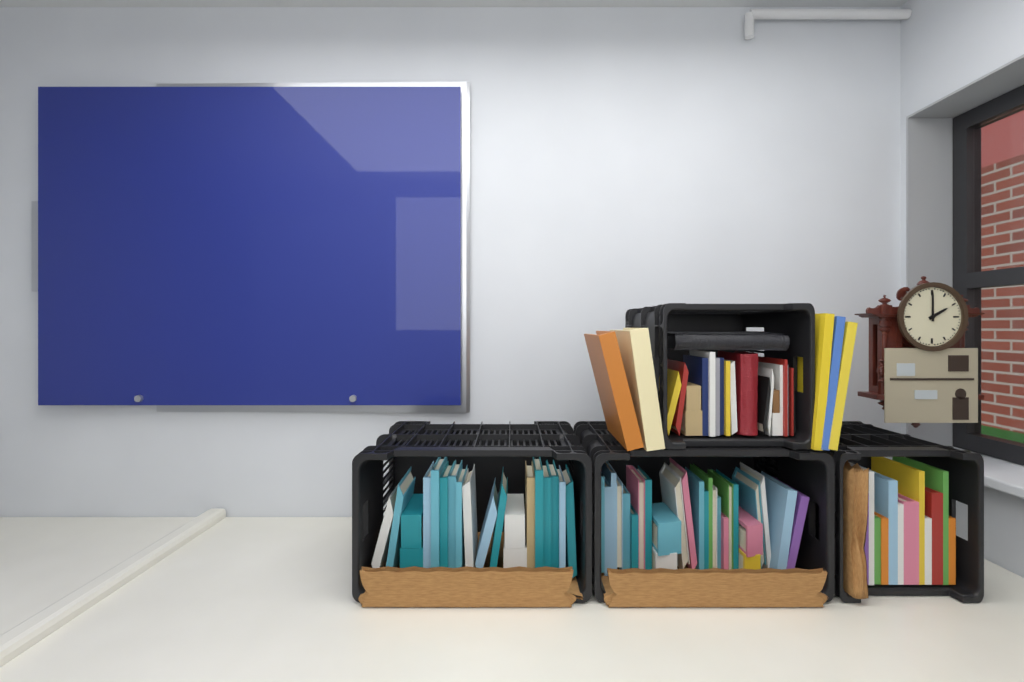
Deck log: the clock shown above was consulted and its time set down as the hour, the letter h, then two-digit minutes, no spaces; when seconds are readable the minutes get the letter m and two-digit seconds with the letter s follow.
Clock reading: 2h00
